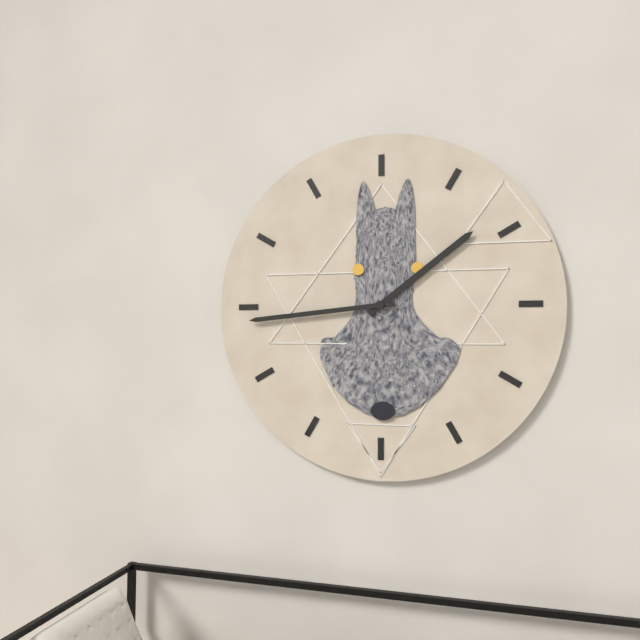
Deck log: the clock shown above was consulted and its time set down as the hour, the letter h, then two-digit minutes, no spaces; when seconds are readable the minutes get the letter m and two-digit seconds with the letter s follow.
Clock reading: 1h44
